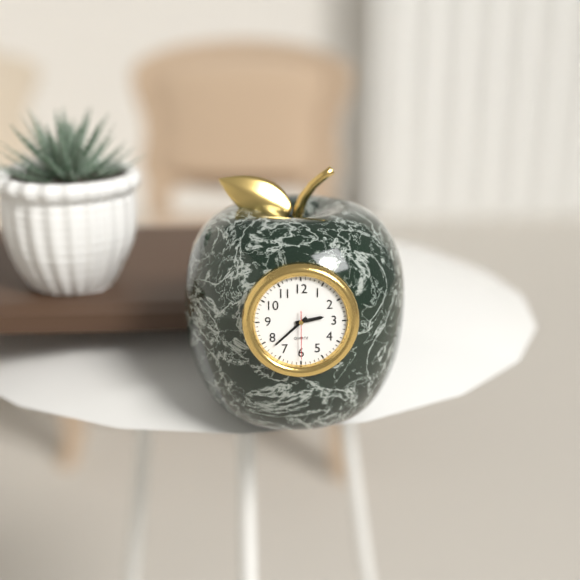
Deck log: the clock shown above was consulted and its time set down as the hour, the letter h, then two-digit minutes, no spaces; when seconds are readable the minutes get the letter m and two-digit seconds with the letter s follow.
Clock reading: 2h38
